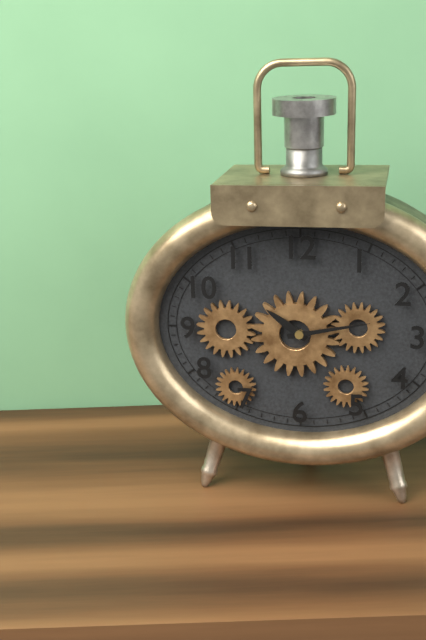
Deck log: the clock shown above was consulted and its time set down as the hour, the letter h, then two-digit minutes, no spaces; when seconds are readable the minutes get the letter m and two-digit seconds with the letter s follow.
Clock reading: 10h13
